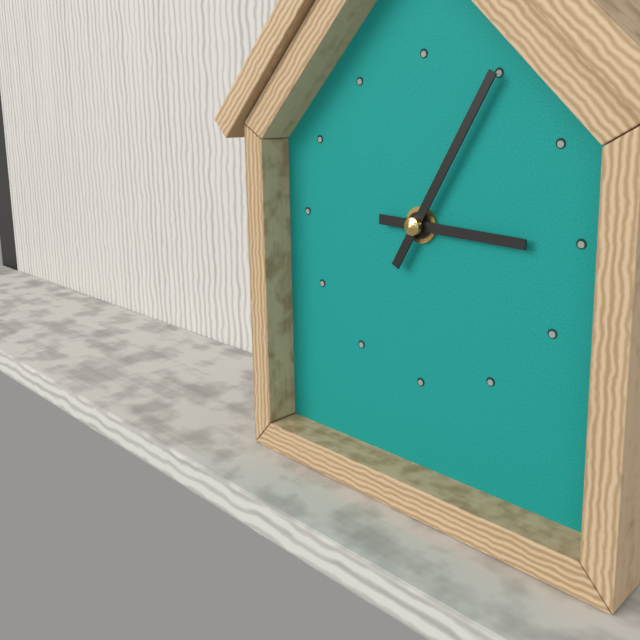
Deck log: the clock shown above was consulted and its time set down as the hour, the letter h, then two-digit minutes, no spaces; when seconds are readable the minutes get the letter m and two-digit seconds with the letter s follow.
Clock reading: 3h05
